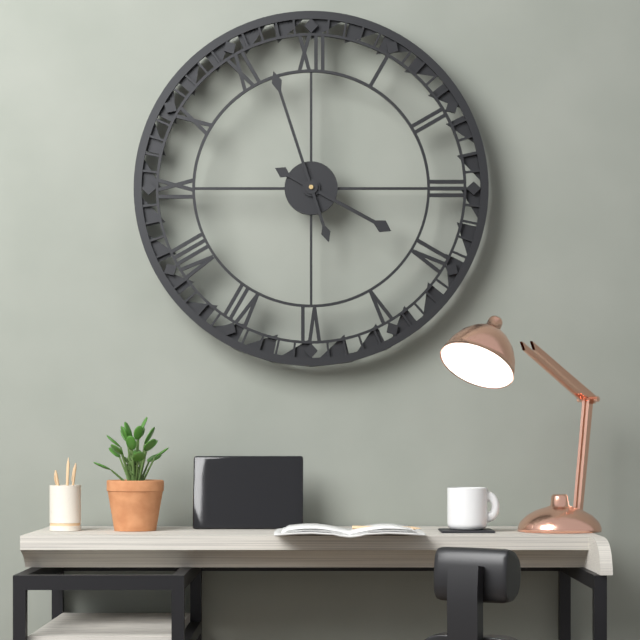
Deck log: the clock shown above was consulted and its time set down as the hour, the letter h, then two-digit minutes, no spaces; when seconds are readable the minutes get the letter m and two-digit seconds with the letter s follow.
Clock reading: 3h57
